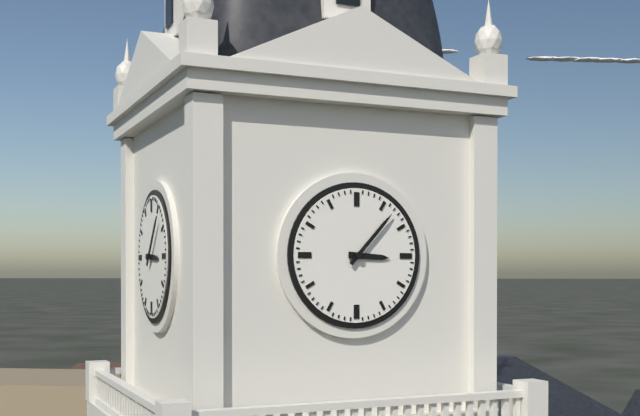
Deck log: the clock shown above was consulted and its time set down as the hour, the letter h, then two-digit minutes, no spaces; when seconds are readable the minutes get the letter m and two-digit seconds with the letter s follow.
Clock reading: 3h07
